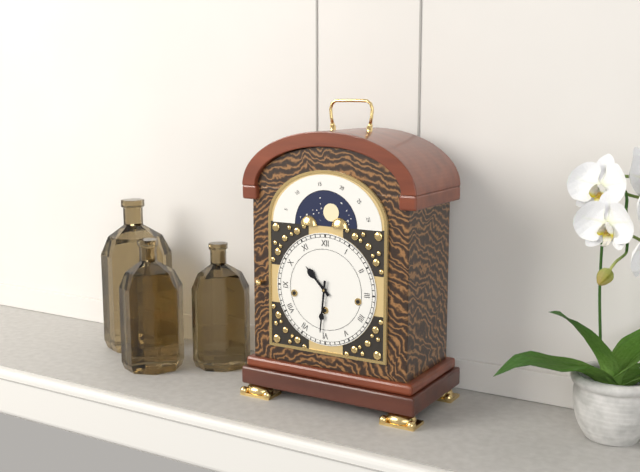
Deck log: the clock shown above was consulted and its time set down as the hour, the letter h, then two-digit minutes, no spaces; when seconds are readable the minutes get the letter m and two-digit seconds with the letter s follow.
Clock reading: 10h31
